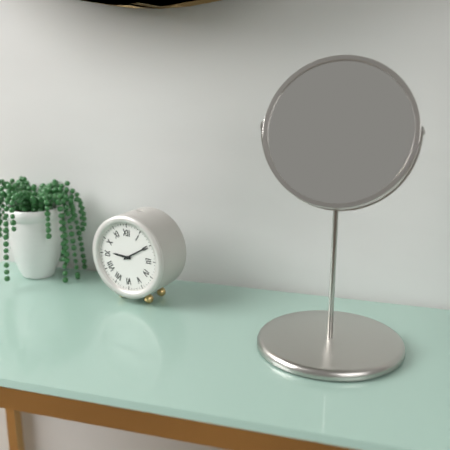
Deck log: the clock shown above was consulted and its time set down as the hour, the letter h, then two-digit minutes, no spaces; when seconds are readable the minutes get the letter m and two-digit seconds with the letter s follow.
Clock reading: 9h10
